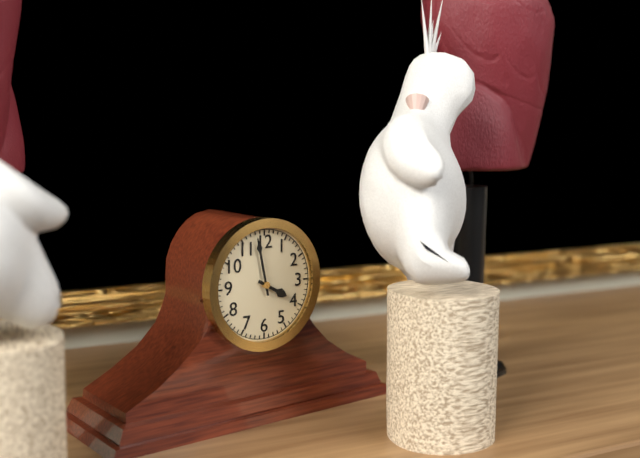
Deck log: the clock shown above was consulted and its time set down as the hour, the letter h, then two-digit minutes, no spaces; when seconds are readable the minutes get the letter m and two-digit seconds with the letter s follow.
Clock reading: 3h58
